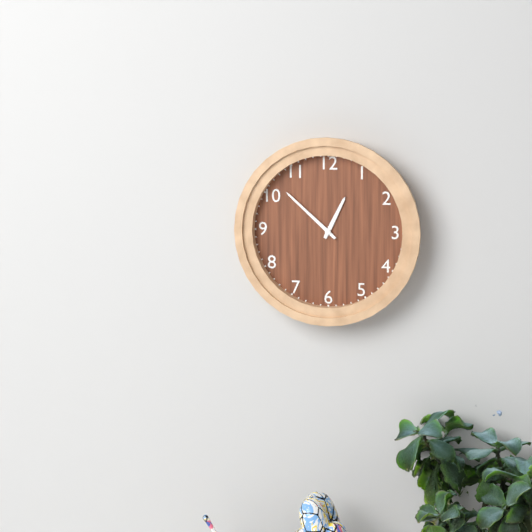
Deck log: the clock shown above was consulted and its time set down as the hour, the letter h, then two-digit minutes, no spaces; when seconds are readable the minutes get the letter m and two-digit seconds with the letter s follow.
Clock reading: 12h52
